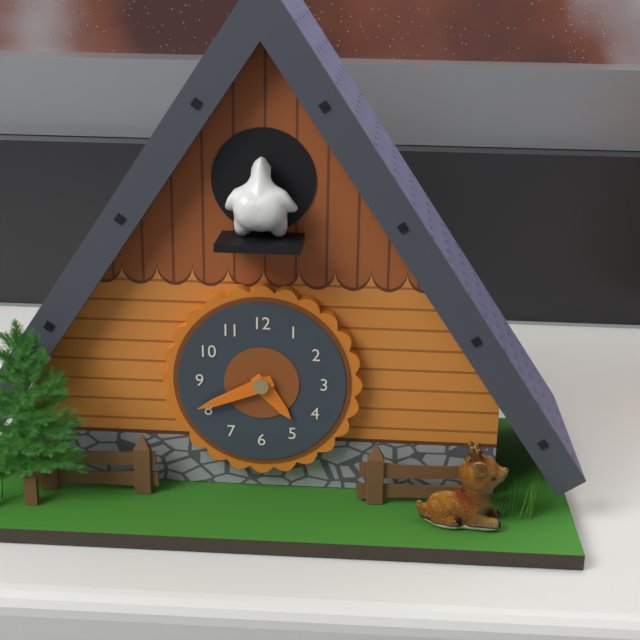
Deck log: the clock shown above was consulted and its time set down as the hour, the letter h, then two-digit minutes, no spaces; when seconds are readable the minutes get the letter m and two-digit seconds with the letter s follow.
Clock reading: 4h41
